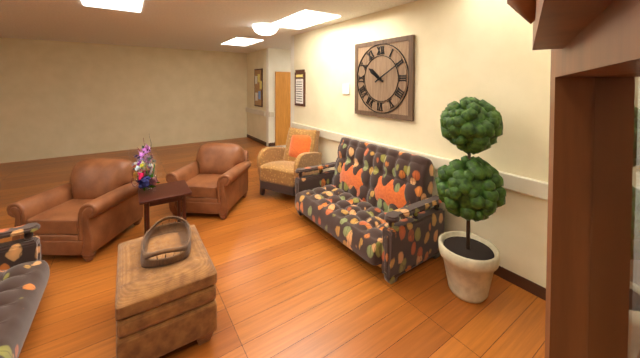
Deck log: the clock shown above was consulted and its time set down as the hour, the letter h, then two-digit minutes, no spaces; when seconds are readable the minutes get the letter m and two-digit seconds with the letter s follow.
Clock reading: 10h10
